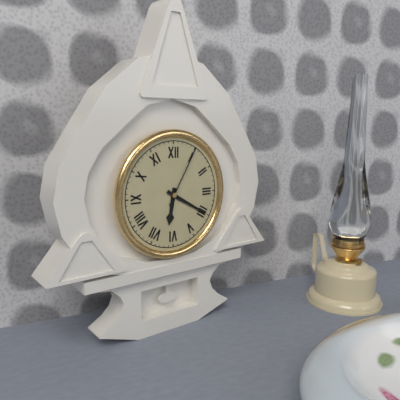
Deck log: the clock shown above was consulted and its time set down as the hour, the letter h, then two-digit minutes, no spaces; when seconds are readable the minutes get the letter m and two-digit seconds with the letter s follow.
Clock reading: 6h20m05s
